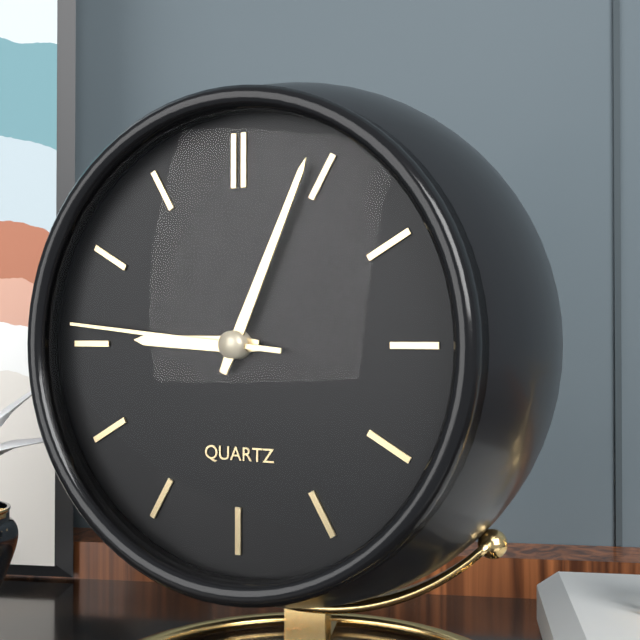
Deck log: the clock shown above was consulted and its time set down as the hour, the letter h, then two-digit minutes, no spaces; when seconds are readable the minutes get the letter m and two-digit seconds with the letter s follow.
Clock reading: 9h04m46s
